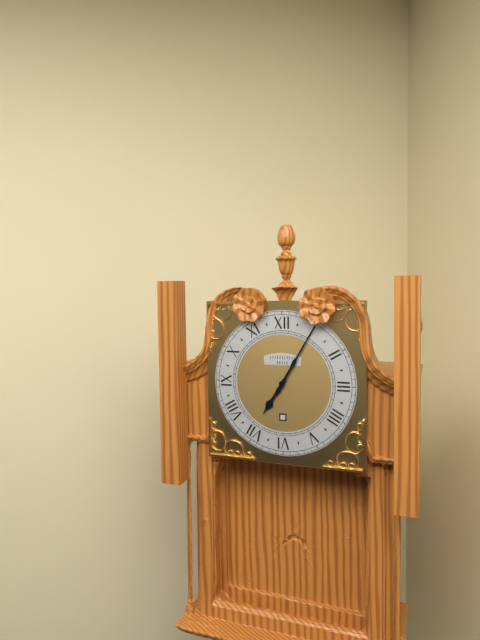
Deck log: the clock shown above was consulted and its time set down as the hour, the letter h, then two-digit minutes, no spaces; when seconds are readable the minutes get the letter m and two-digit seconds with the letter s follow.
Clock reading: 7h05
